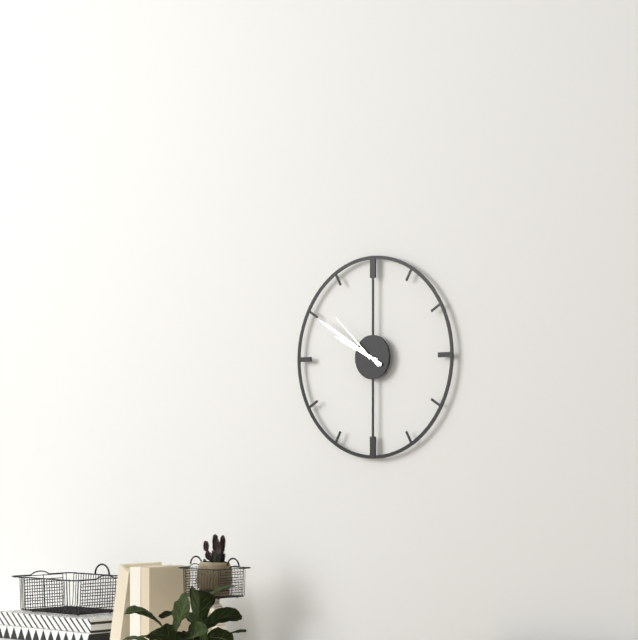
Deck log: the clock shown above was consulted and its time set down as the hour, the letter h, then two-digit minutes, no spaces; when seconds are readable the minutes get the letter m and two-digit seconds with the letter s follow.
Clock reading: 9h50m52s
